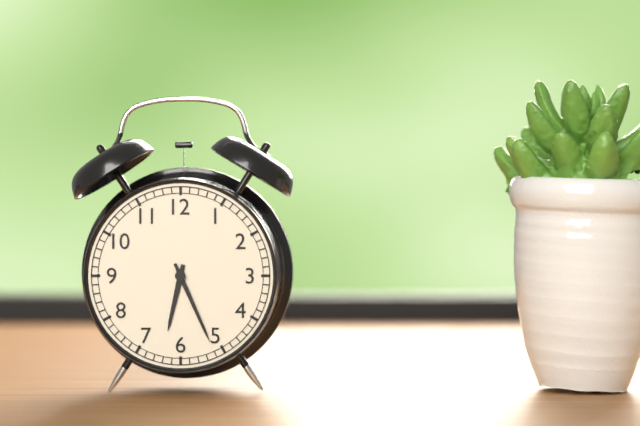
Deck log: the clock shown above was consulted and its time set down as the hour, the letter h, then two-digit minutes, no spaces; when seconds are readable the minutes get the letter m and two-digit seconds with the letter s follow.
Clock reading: 6h26
